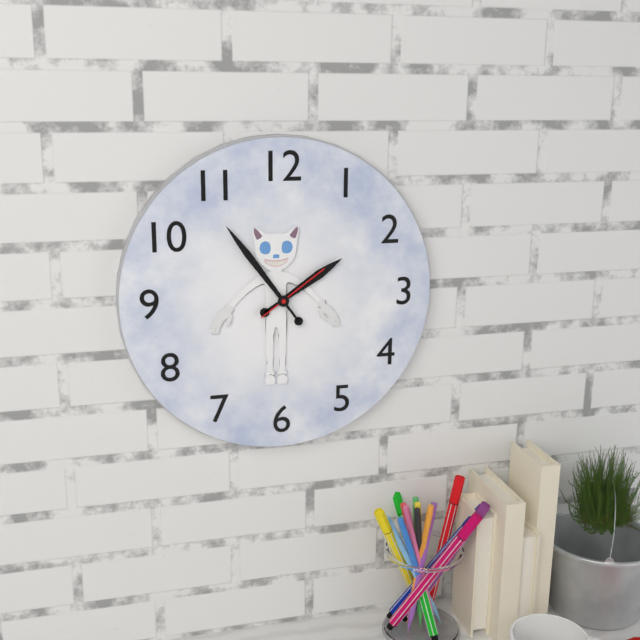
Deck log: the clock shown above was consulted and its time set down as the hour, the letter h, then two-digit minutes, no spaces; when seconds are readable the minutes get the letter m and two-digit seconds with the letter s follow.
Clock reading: 1h54m09s
